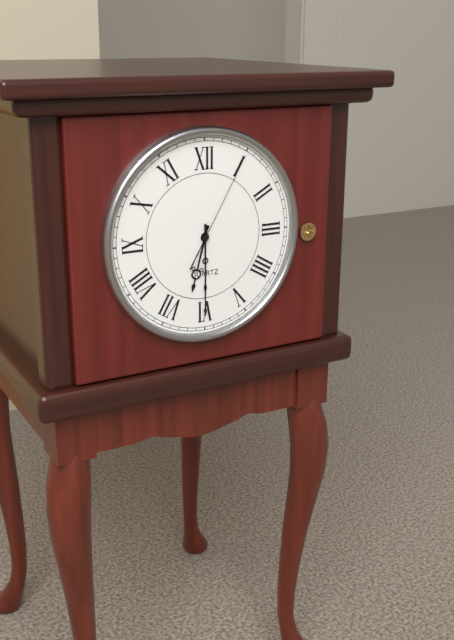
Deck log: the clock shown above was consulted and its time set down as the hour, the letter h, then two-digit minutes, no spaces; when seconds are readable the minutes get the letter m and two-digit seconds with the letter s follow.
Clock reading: 6h30m05s
